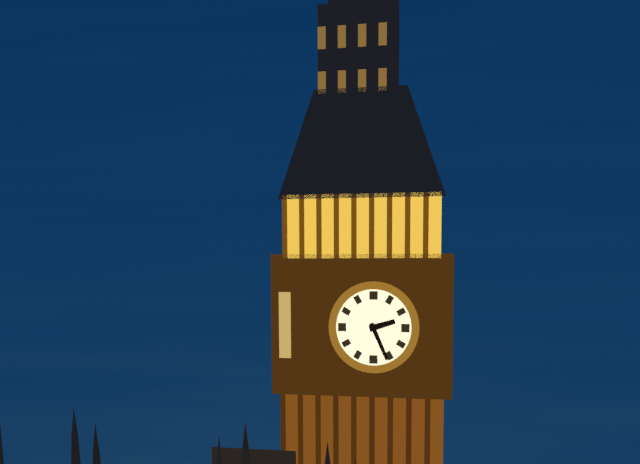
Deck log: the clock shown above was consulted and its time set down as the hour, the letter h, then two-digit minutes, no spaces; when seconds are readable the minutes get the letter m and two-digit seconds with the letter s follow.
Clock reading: 2h26
